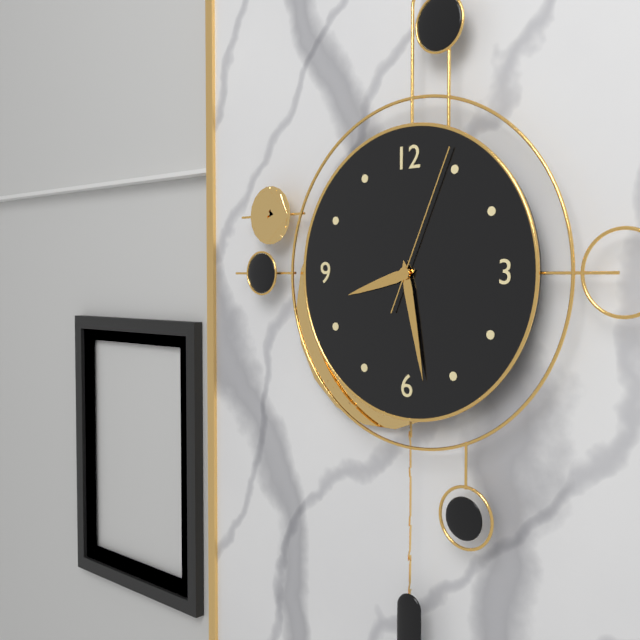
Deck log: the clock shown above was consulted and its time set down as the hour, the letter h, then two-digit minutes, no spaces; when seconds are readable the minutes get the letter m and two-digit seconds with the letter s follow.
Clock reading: 8h28m04s
